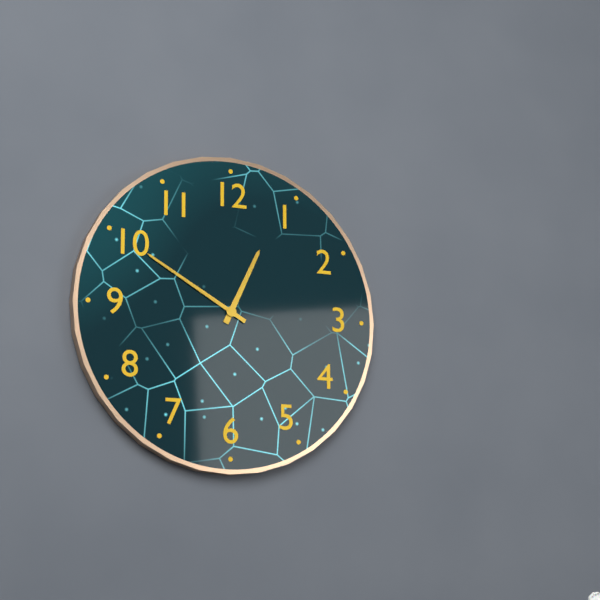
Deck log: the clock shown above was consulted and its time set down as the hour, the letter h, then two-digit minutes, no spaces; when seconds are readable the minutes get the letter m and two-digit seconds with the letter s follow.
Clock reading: 12h50
